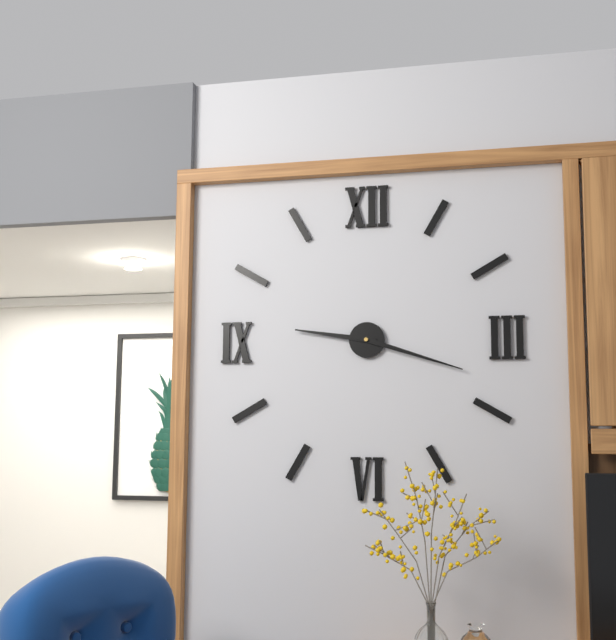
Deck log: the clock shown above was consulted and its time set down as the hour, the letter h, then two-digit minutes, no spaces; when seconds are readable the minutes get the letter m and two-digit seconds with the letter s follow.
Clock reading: 9h18
